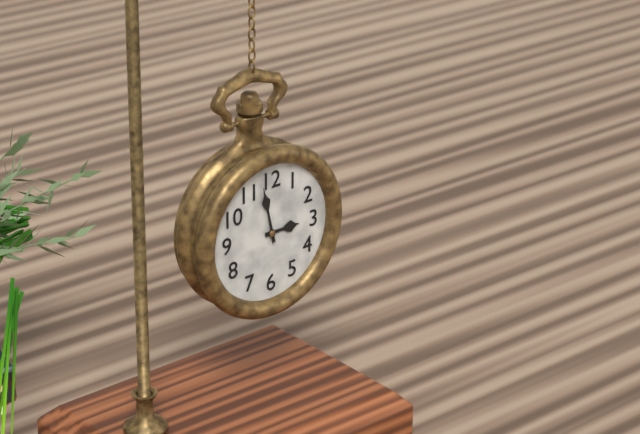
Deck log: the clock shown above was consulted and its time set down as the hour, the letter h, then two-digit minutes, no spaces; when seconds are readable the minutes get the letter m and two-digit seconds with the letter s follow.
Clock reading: 2h58
